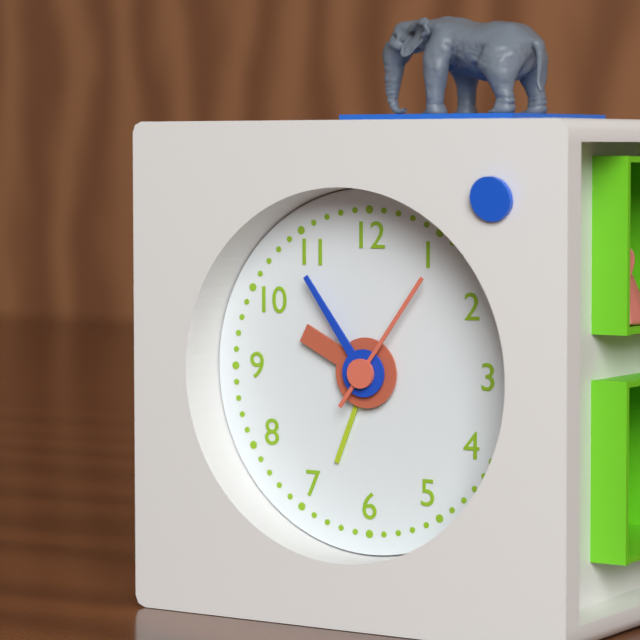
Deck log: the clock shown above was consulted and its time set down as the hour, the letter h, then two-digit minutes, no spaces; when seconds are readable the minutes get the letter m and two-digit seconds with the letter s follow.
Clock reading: 9h54m06s
